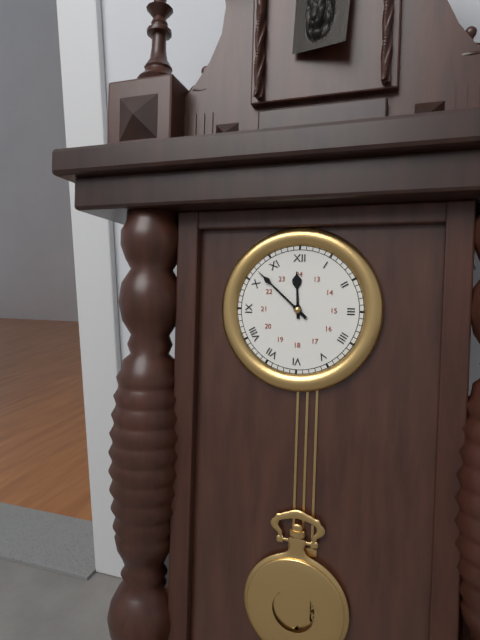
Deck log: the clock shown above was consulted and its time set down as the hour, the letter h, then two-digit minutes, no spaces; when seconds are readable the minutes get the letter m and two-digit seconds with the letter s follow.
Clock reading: 11h52
